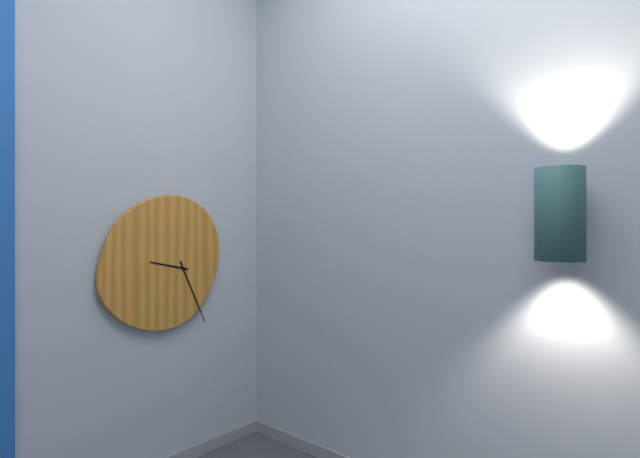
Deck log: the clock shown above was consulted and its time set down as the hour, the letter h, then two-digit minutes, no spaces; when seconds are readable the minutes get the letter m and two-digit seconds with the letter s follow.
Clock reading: 9h26
